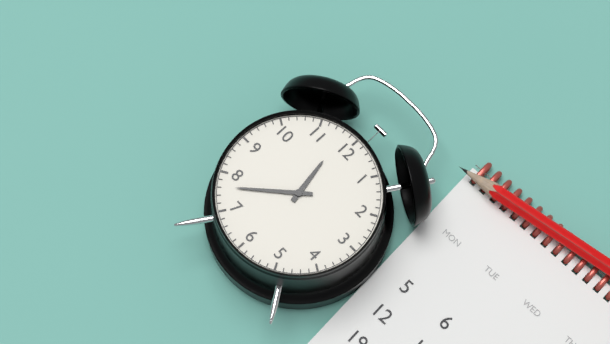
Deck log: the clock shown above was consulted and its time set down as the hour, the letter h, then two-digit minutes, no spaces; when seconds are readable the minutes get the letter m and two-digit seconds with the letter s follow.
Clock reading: 11h38
